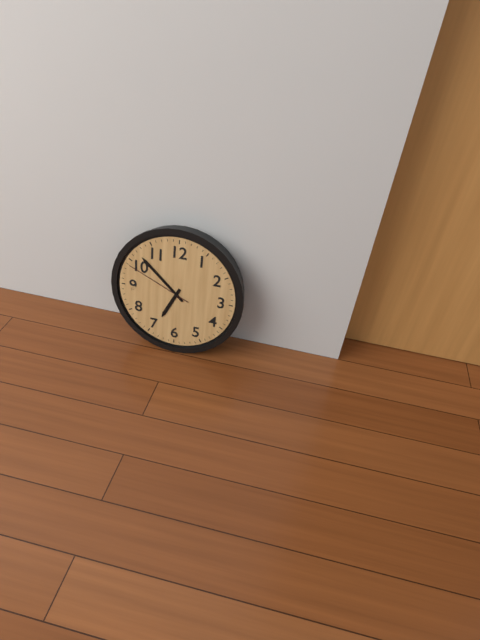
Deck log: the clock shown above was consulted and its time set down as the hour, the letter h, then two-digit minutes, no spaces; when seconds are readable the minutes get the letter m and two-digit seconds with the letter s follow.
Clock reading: 6h52m49s
